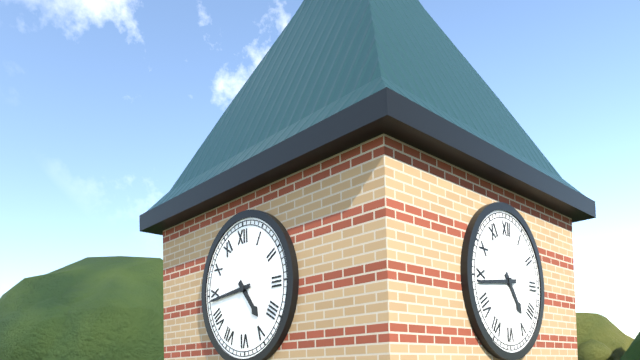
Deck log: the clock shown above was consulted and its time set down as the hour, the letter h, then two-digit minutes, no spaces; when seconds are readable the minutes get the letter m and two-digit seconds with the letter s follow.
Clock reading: 4h44
